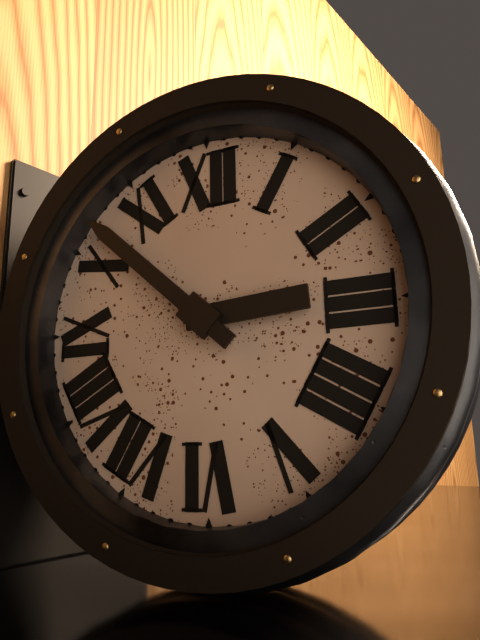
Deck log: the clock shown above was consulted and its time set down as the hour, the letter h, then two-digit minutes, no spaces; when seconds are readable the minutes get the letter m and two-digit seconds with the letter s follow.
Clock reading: 2h52
